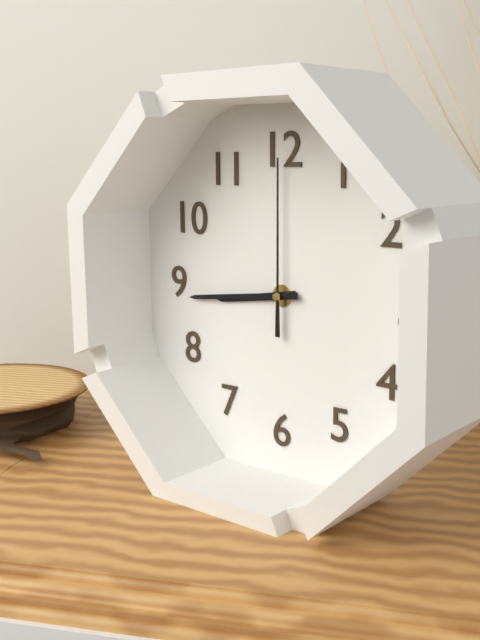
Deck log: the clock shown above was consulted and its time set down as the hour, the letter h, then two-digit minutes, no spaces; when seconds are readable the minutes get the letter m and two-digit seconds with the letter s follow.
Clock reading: 8h44m00s
